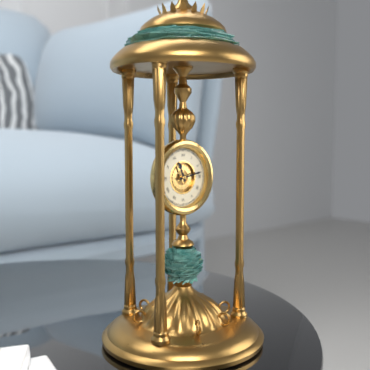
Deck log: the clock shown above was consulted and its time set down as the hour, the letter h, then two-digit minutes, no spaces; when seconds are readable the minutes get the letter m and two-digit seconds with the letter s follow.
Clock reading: 11h13
